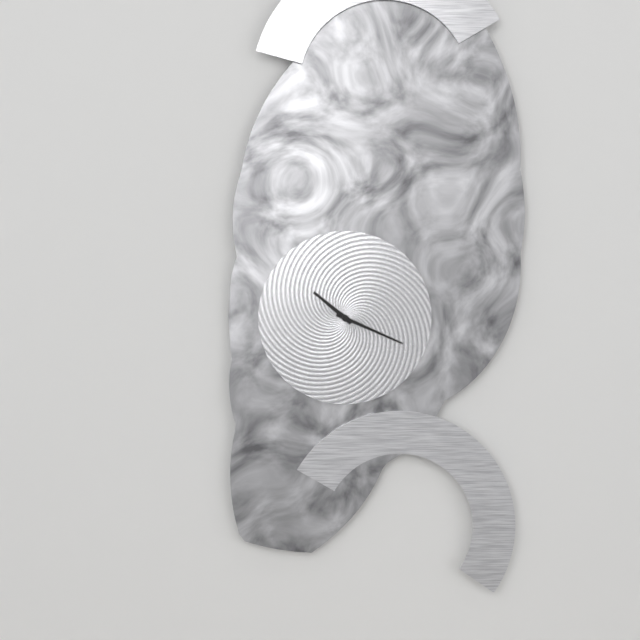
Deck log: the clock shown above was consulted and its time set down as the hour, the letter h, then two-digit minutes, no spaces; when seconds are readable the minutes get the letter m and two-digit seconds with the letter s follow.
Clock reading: 10h19
